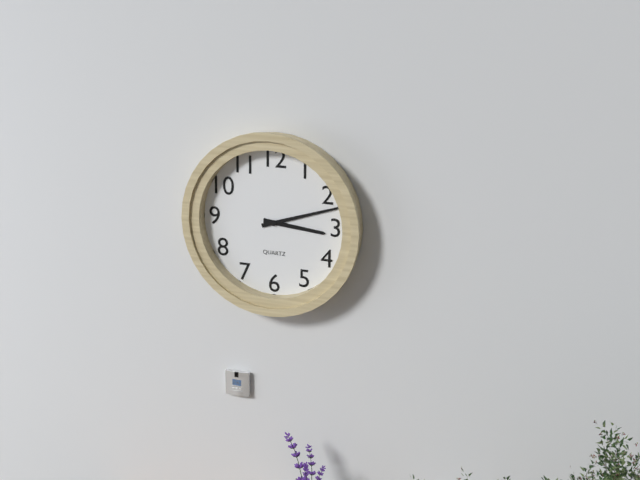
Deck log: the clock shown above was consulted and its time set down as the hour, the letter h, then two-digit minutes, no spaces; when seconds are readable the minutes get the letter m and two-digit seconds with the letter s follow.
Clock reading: 3h12
